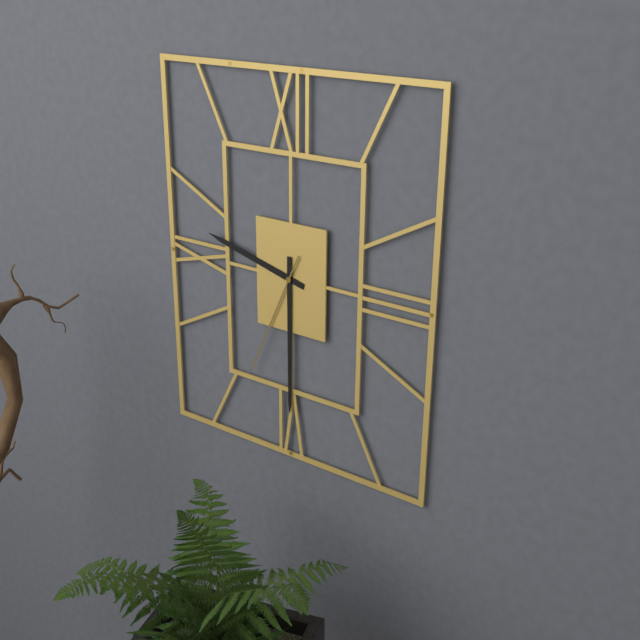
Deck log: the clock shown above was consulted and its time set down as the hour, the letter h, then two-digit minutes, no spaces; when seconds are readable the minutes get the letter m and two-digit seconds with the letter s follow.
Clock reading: 9h30m34s
